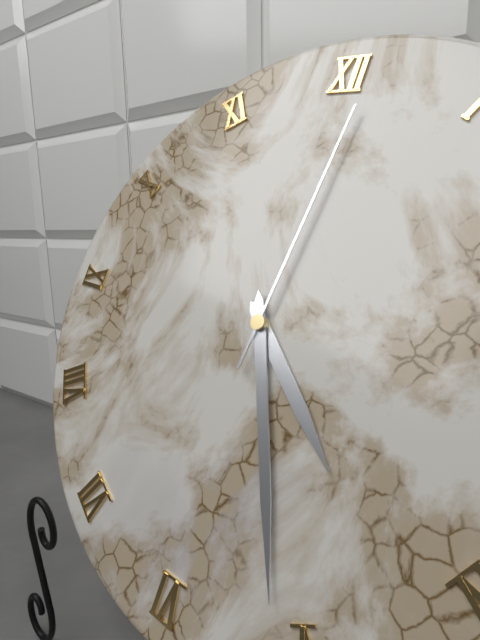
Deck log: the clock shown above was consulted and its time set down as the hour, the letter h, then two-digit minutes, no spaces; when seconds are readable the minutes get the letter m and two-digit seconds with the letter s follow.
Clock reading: 4h26m01s
